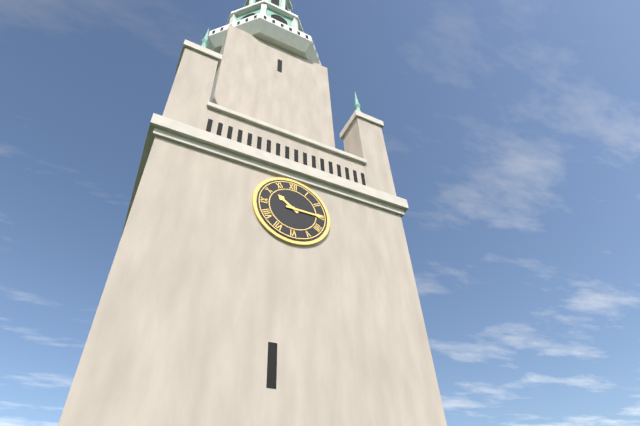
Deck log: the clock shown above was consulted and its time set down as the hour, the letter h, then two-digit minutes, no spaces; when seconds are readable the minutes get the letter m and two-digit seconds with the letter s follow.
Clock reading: 10h15
